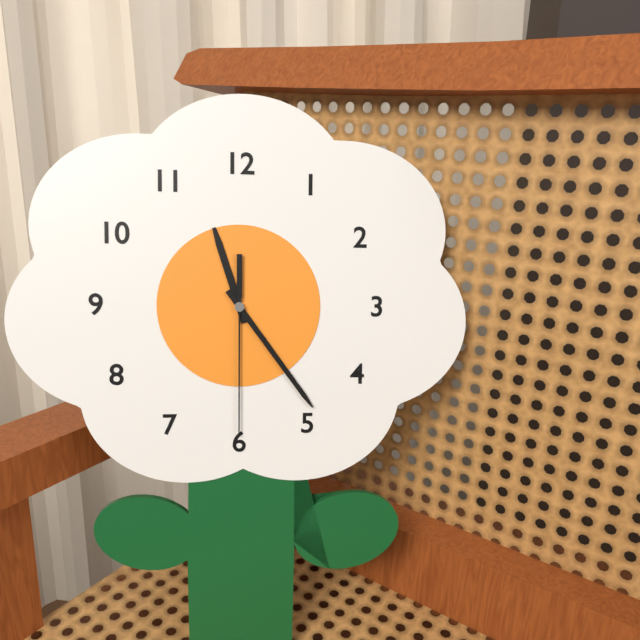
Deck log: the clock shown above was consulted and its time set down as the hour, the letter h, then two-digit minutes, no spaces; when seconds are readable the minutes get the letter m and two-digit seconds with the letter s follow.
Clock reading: 11h24m30s
